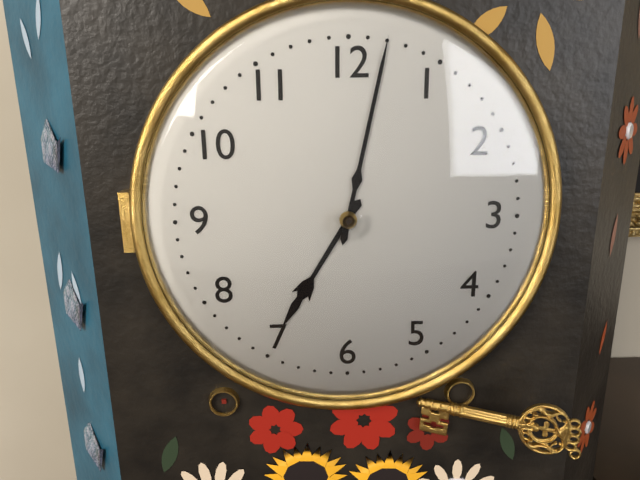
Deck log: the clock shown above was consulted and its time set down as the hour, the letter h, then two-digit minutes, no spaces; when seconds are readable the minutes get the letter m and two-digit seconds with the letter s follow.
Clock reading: 7h02
